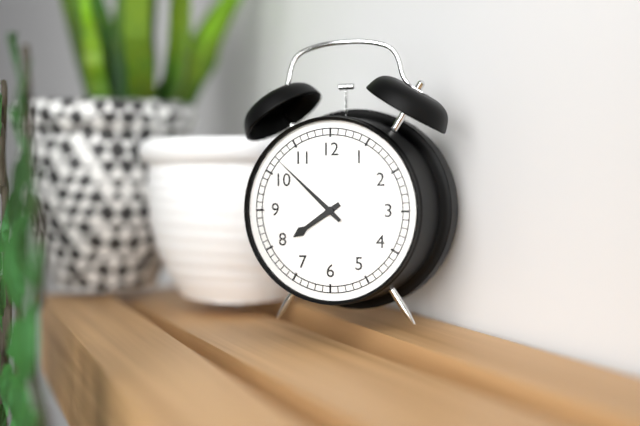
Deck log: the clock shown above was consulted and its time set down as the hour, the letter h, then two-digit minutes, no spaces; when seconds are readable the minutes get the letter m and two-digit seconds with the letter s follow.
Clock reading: 7h52
